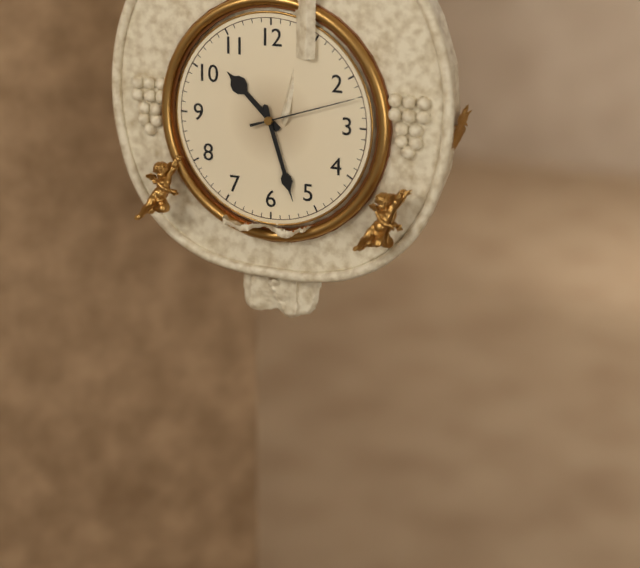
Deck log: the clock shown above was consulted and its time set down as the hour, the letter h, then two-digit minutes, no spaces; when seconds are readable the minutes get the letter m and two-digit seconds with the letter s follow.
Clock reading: 10h27m12s
